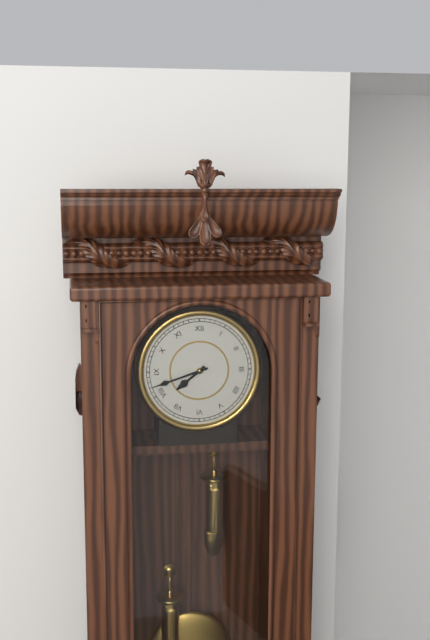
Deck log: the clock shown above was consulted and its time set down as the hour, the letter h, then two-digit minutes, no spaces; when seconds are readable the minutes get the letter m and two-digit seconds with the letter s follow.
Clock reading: 7h42
